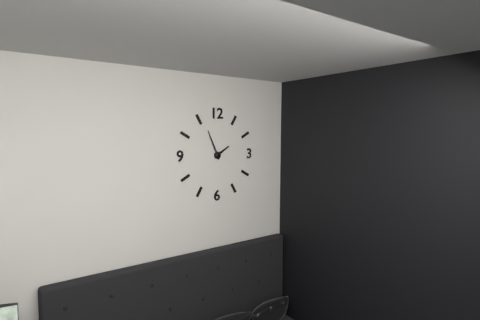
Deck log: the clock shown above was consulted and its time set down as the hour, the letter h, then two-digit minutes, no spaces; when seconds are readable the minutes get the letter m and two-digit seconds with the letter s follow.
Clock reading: 1h56
